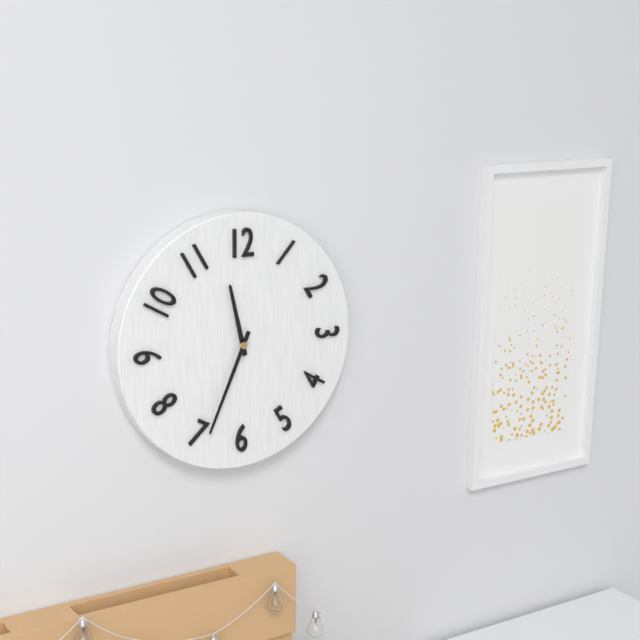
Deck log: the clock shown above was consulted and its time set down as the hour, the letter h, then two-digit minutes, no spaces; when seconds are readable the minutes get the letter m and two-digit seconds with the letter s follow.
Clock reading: 11h34
